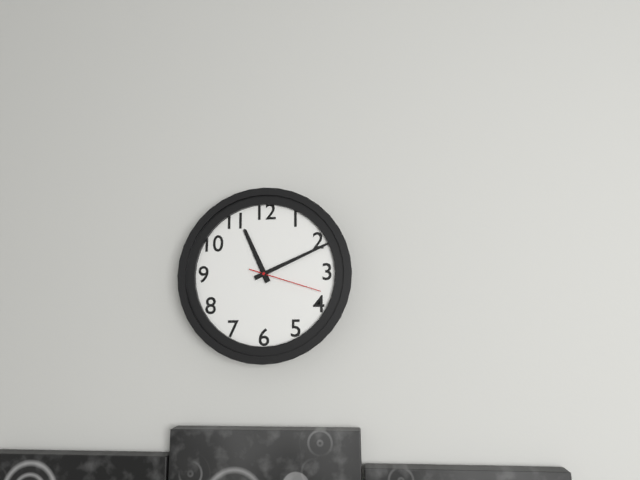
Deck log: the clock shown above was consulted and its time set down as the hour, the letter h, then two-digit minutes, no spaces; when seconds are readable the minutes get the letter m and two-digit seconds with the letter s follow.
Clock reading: 11h11m18s
